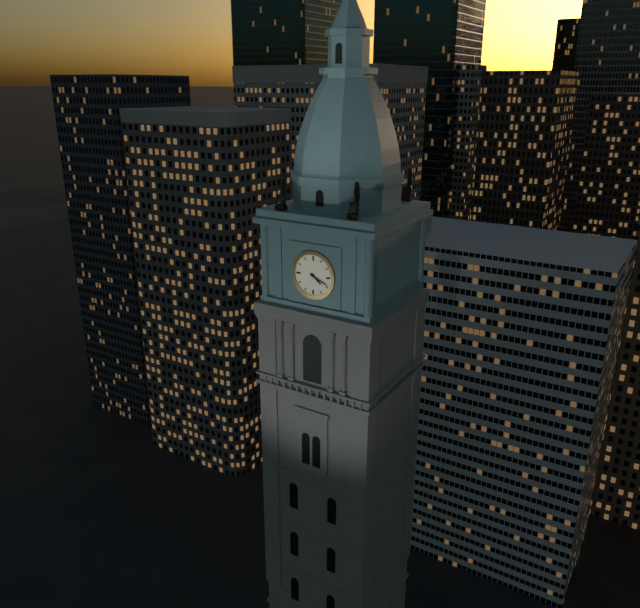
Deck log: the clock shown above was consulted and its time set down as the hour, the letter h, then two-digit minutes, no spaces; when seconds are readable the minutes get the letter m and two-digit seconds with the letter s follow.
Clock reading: 4h19
